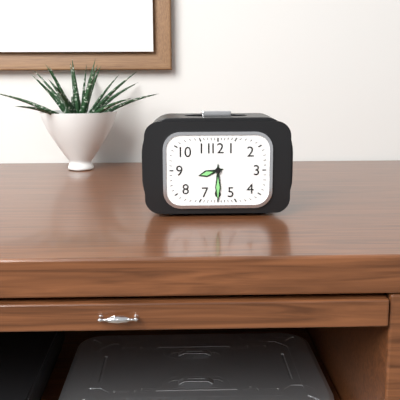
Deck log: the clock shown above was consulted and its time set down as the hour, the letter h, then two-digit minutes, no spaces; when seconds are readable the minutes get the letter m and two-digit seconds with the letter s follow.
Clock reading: 8h30
